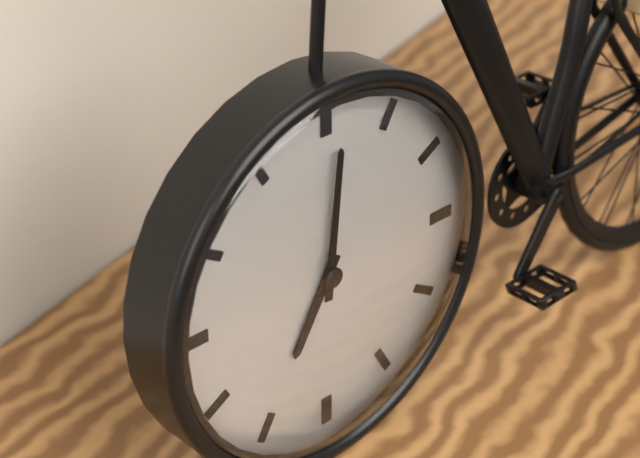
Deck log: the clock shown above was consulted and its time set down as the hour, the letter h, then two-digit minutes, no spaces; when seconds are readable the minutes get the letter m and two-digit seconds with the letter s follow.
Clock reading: 7h01
